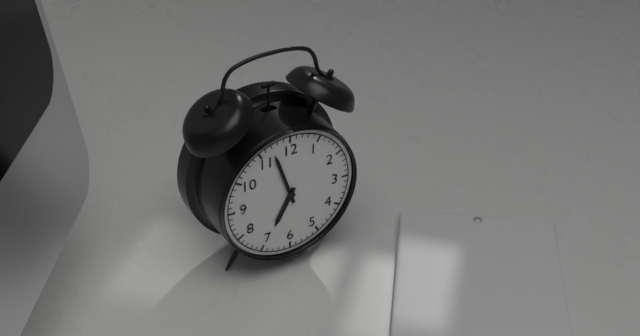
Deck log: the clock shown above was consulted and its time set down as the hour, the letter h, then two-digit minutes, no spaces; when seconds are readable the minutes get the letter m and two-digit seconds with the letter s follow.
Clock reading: 6h57
